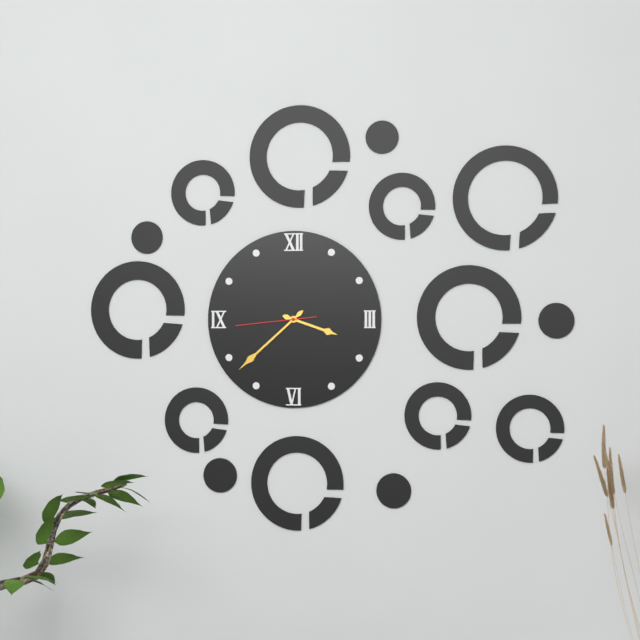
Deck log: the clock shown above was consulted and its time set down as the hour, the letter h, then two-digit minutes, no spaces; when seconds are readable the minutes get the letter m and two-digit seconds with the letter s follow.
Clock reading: 3h38m44s
